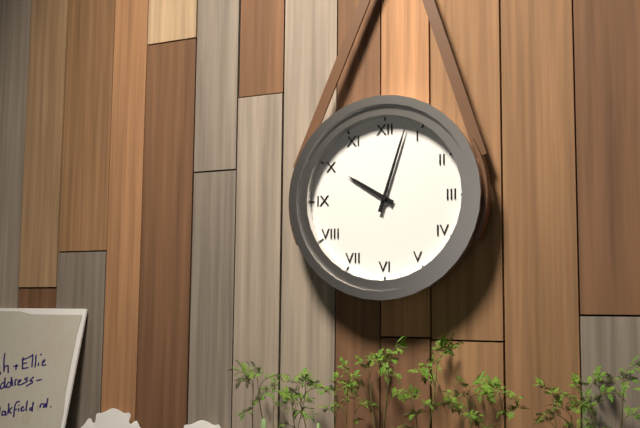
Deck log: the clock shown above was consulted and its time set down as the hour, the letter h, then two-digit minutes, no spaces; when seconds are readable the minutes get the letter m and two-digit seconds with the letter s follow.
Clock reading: 10h03
